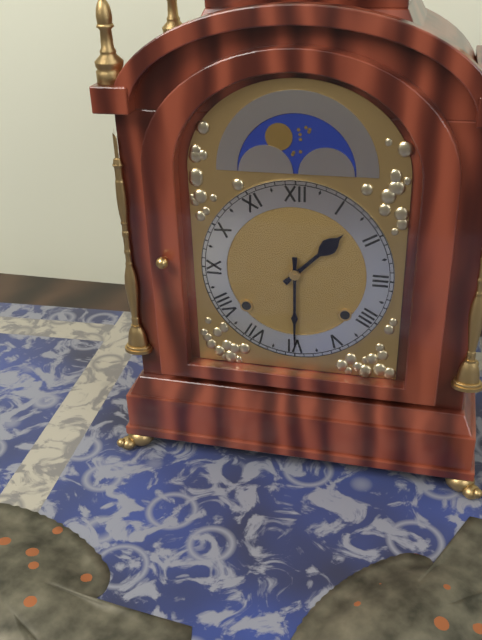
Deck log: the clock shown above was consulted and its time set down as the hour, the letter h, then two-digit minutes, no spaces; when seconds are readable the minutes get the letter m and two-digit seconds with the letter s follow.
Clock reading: 1h30
